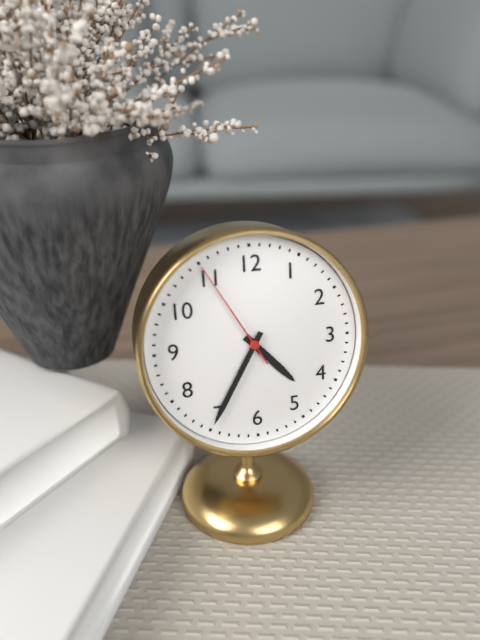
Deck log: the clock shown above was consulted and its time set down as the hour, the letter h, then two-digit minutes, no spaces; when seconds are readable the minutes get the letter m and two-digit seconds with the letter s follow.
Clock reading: 4h35m55s
